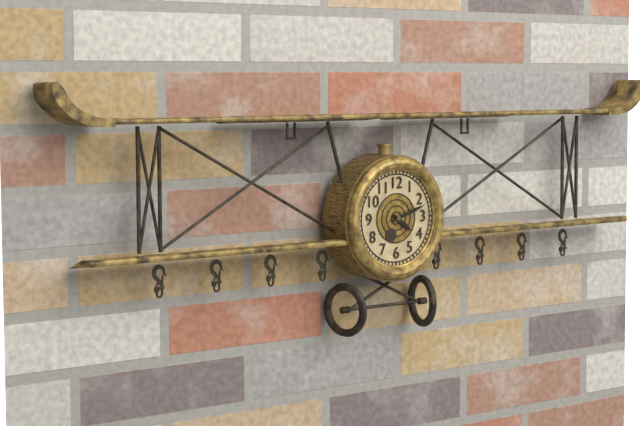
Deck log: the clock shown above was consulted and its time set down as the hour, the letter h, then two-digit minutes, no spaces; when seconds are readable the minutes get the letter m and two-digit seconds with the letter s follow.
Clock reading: 4h12
